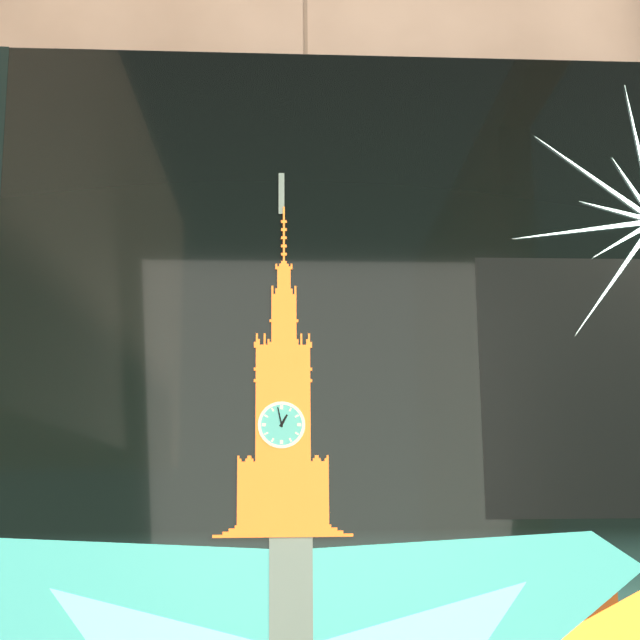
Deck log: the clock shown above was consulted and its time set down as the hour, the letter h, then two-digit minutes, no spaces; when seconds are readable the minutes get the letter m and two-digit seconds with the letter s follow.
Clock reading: 12h58
